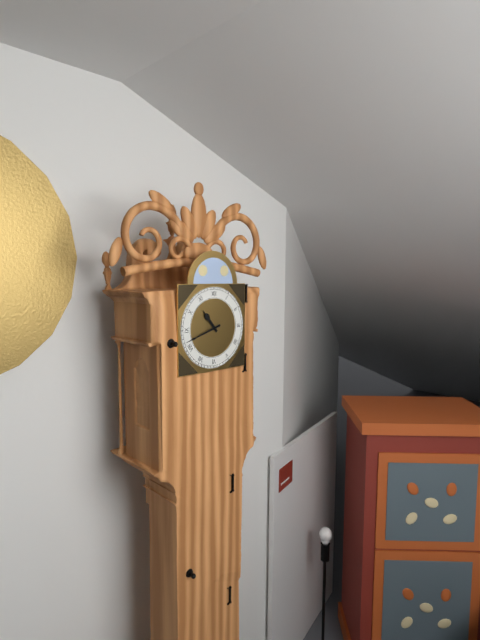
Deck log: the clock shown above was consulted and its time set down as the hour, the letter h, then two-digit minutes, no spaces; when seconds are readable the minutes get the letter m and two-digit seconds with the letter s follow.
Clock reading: 10h42
